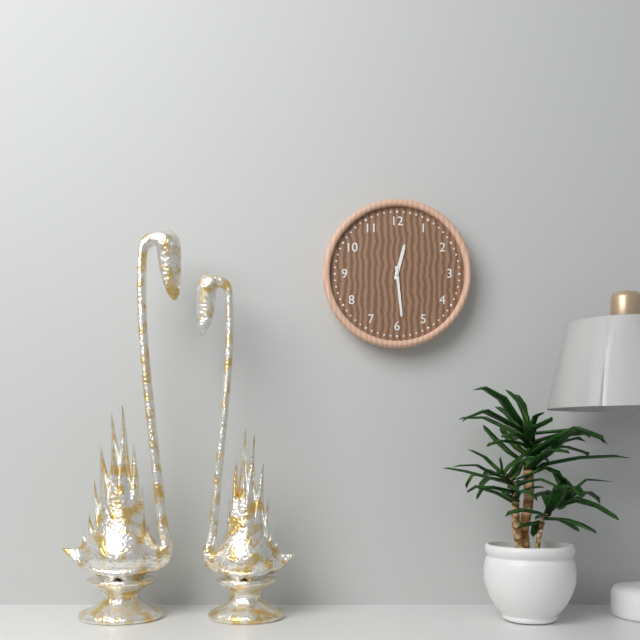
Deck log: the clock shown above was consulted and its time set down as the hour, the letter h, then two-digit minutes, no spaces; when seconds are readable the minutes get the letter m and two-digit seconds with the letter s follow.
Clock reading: 12h29
